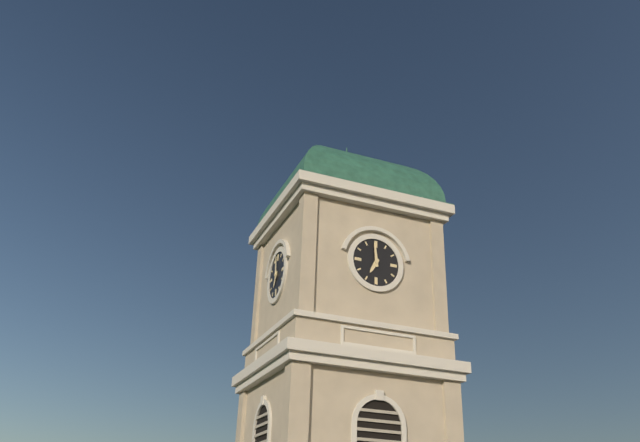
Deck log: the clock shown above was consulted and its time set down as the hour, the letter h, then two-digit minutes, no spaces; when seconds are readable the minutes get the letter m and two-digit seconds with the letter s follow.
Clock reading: 6h59
